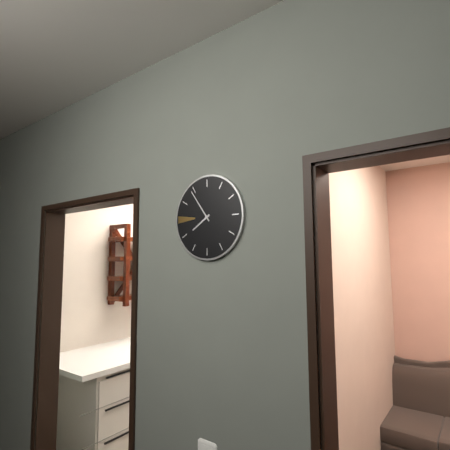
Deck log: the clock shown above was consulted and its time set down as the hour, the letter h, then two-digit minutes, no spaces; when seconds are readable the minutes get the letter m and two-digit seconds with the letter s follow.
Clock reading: 7h54
